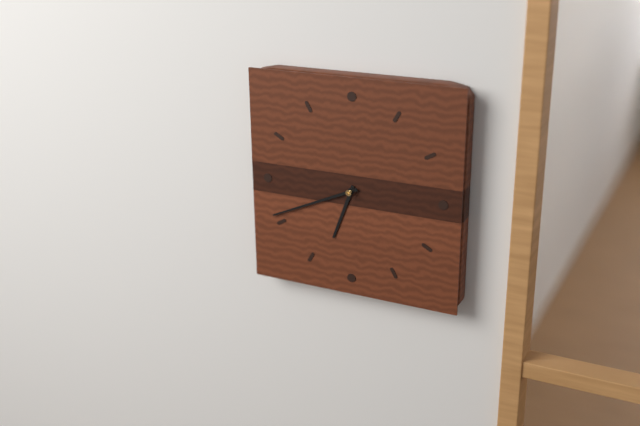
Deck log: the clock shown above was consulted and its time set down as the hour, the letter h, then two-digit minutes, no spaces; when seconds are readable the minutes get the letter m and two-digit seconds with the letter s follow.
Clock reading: 6h41
